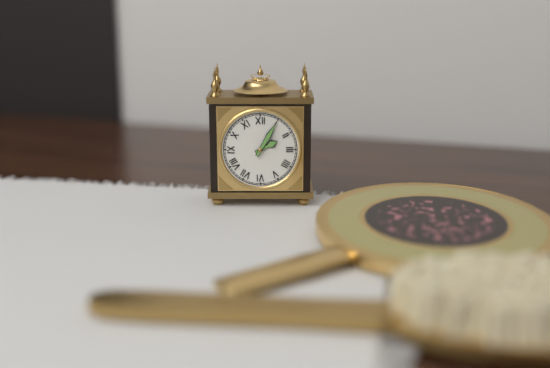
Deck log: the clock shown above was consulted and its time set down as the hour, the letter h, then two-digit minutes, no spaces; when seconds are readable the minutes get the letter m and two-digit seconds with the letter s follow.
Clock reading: 2h05
